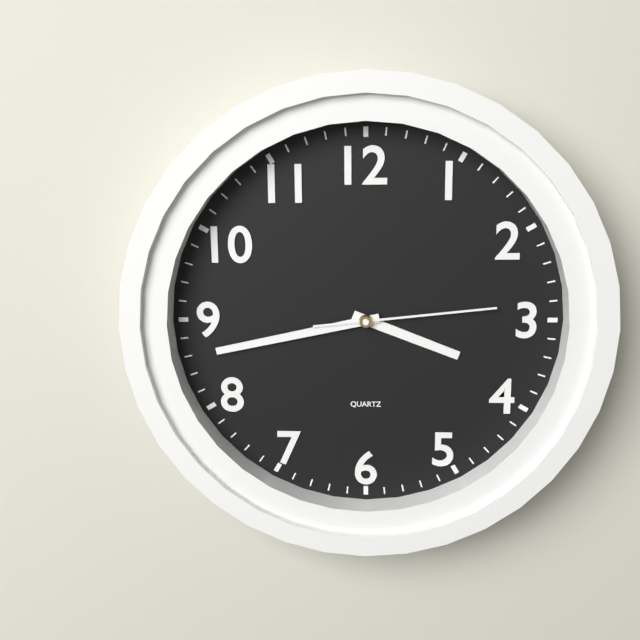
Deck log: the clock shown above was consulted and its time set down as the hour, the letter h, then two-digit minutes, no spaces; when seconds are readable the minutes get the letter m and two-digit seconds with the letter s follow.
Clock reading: 3h43m14s
